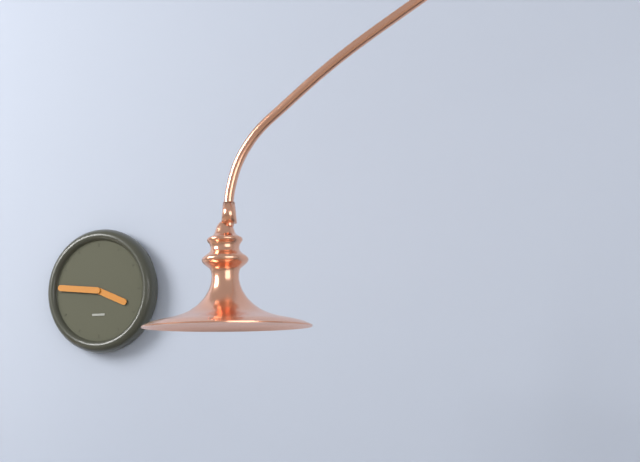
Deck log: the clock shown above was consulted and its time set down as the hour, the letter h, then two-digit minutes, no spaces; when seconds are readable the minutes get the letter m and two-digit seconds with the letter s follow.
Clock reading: 3h46
